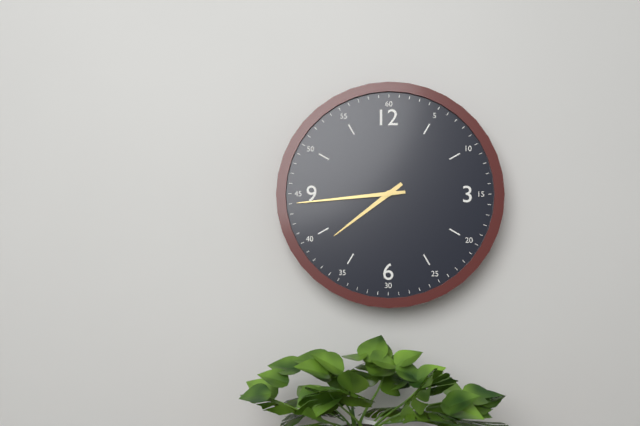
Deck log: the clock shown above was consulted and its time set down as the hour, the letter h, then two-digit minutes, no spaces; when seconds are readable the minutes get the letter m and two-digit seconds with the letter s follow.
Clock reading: 7h44
